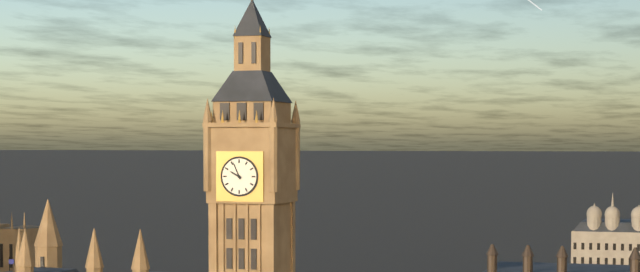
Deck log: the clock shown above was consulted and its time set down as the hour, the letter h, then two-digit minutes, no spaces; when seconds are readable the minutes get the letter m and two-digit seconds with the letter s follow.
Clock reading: 9h56
